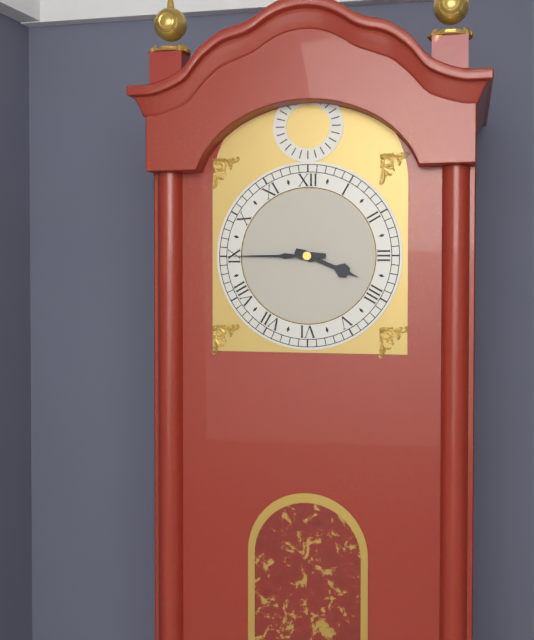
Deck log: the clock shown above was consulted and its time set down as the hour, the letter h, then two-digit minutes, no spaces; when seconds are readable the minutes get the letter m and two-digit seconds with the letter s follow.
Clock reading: 3h45
